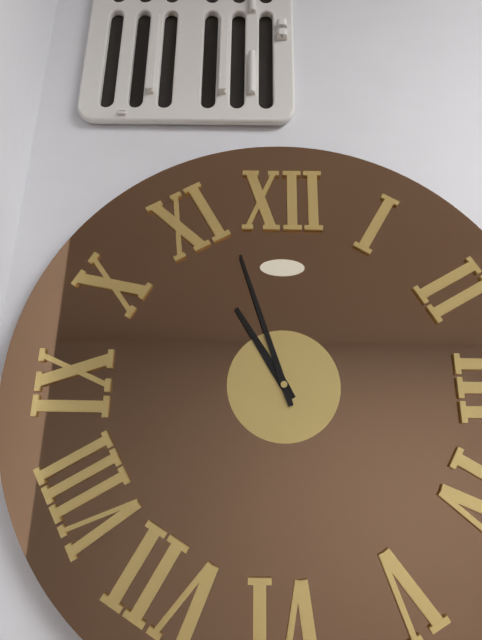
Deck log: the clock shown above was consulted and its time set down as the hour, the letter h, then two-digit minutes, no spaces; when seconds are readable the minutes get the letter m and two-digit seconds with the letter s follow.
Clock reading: 10h57
